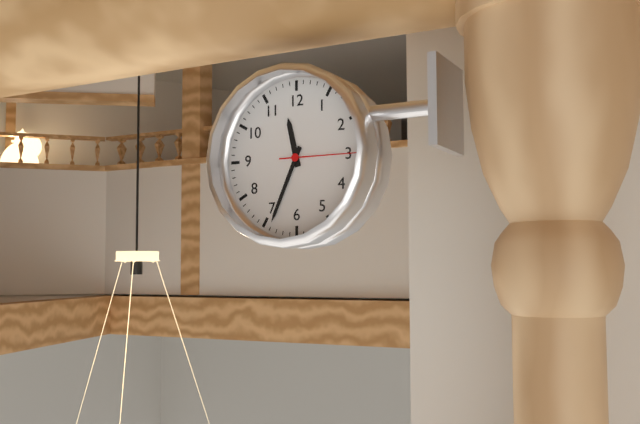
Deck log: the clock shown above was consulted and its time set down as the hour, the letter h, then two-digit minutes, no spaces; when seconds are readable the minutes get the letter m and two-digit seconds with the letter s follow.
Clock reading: 11h34m15s
